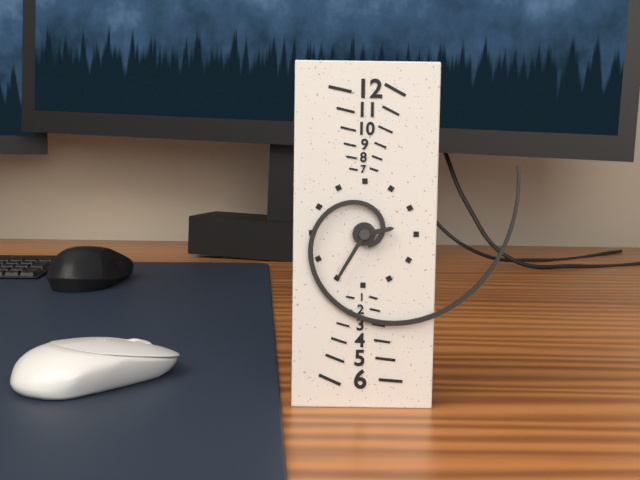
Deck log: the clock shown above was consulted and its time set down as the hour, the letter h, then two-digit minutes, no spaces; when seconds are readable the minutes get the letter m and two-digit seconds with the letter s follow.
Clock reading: 2h35
